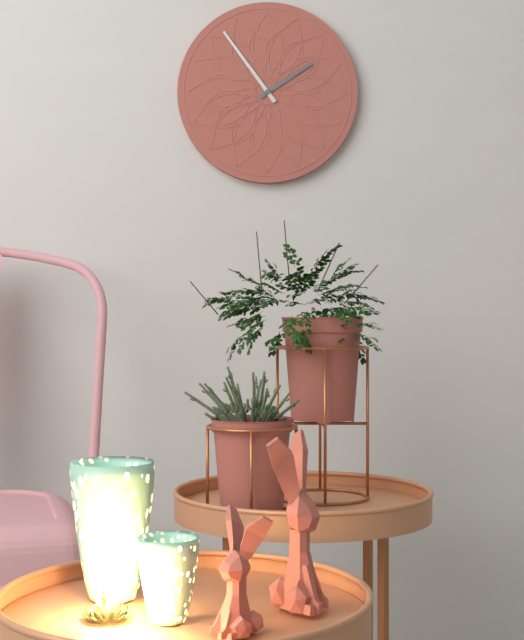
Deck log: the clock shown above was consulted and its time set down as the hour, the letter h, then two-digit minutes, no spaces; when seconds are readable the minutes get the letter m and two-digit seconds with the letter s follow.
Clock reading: 1h54
